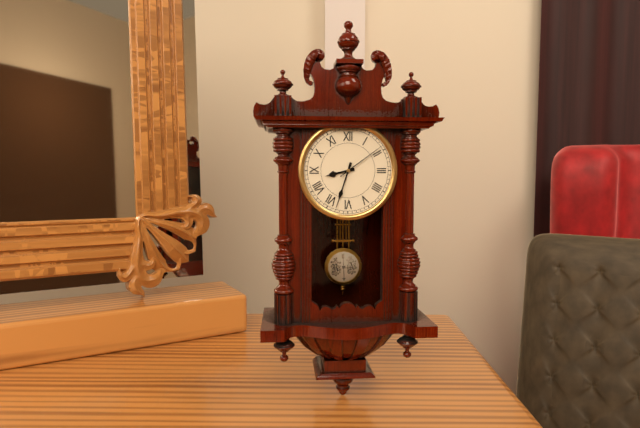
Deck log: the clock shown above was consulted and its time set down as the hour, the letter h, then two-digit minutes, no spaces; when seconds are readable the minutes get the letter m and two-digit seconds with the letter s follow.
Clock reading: 8h33m09s
